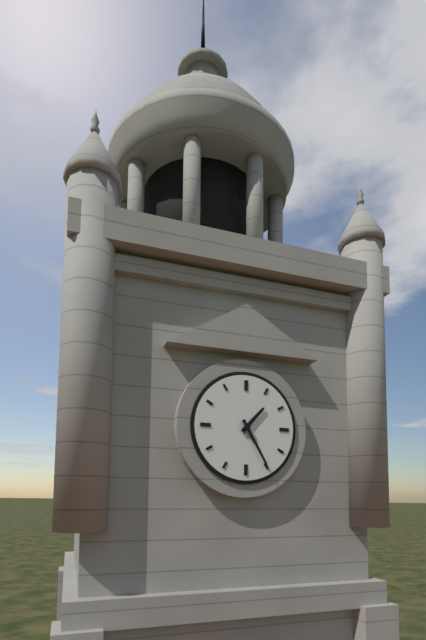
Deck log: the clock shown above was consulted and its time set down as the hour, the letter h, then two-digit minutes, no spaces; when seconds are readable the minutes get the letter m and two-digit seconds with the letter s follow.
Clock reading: 1h25
